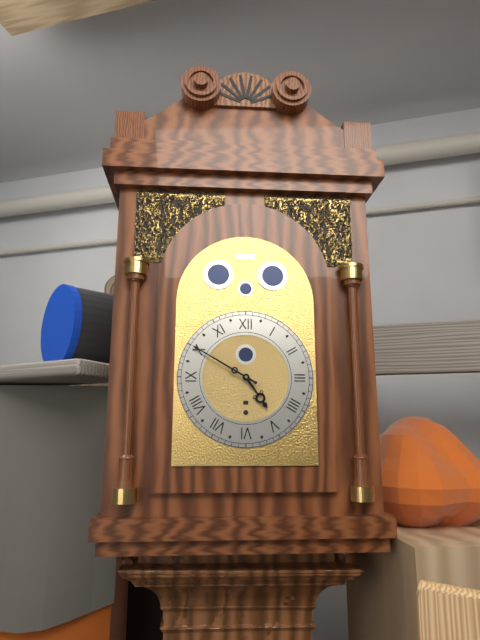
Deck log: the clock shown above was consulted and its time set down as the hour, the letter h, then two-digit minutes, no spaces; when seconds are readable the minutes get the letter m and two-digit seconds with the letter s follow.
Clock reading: 4h50
